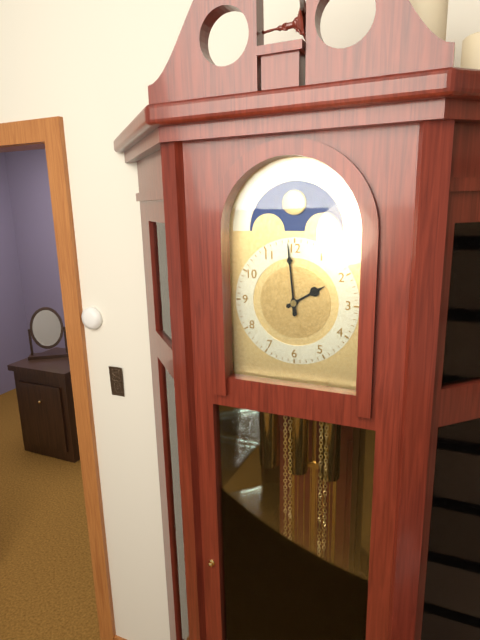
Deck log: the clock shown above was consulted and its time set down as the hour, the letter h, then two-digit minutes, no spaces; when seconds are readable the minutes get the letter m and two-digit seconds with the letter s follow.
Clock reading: 1h59
